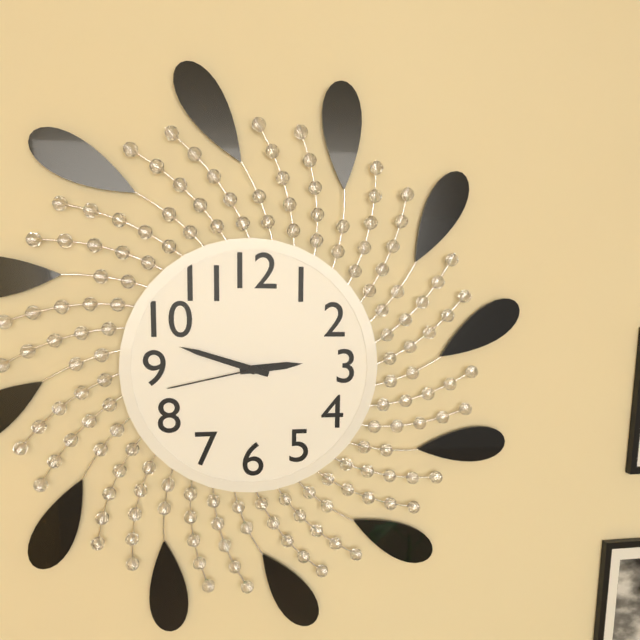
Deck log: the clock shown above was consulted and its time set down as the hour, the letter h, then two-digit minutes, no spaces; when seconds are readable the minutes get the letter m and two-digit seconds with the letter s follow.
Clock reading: 2h48m43s
